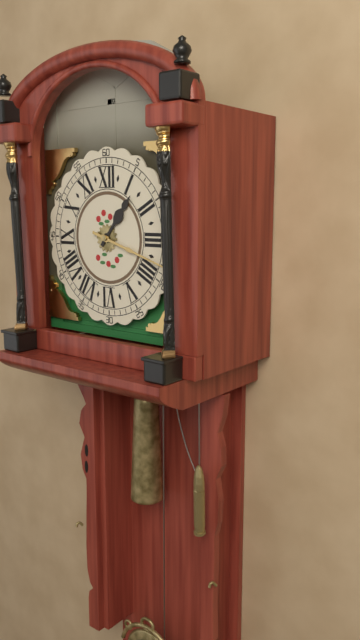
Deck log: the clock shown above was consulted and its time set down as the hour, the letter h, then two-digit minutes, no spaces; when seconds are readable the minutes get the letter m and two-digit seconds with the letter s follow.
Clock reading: 1h18
